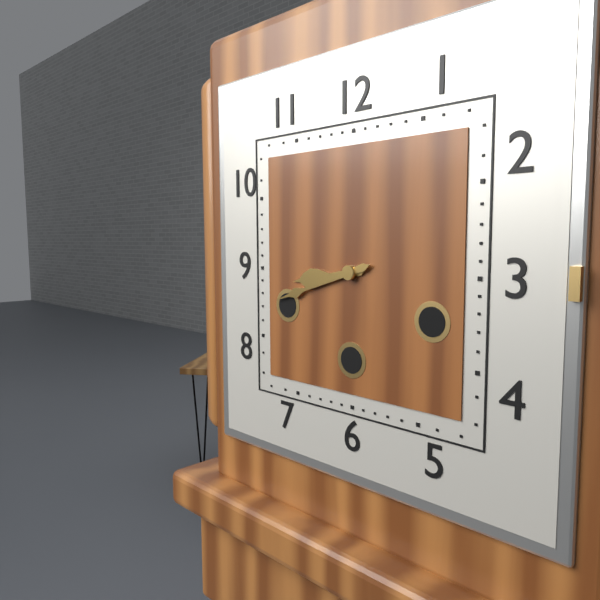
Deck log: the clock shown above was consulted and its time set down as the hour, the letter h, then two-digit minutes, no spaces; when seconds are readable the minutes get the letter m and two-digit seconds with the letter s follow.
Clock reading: 8h42
